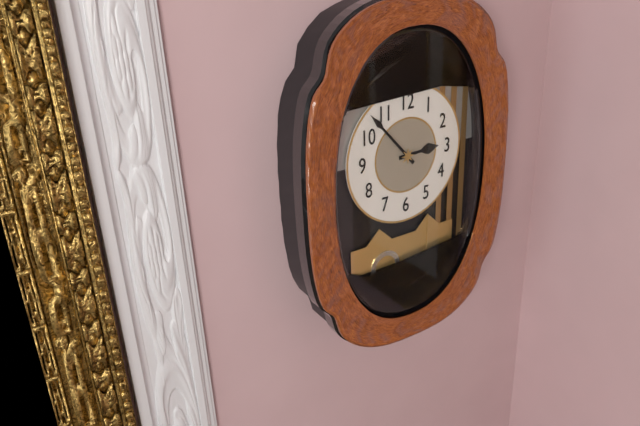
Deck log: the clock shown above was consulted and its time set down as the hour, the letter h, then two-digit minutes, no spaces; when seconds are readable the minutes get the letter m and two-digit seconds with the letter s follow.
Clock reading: 2h53
